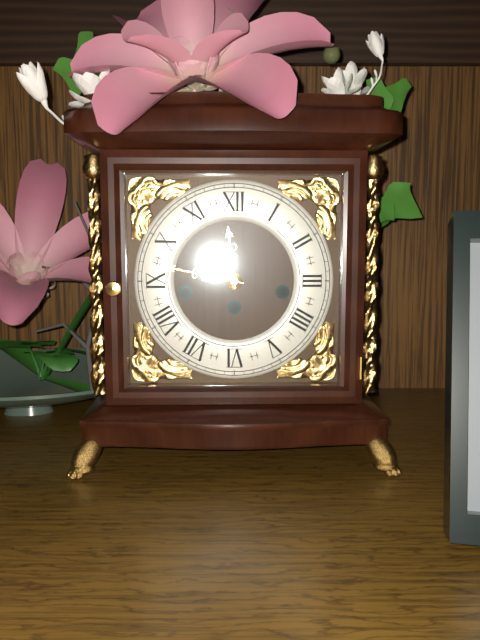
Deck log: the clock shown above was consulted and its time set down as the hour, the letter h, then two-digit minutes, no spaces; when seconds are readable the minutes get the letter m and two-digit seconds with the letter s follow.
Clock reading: 11h47
